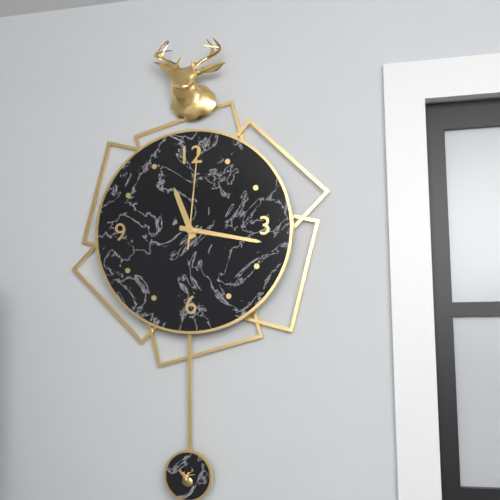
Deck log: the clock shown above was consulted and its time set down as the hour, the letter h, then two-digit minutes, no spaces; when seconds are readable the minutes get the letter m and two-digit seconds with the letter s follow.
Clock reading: 11h17m01s
